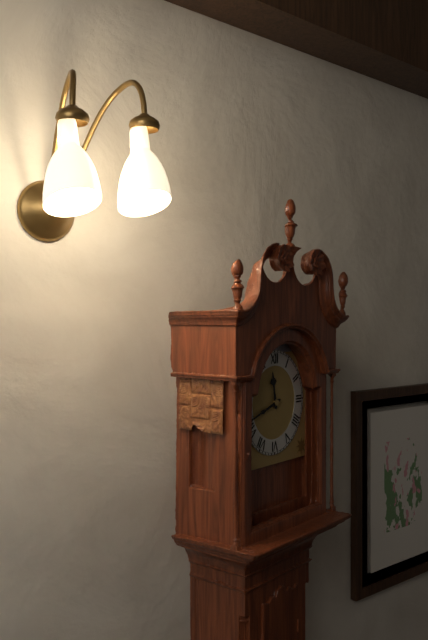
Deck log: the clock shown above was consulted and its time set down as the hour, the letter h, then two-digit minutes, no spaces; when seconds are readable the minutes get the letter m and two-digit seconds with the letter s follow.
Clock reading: 11h42
